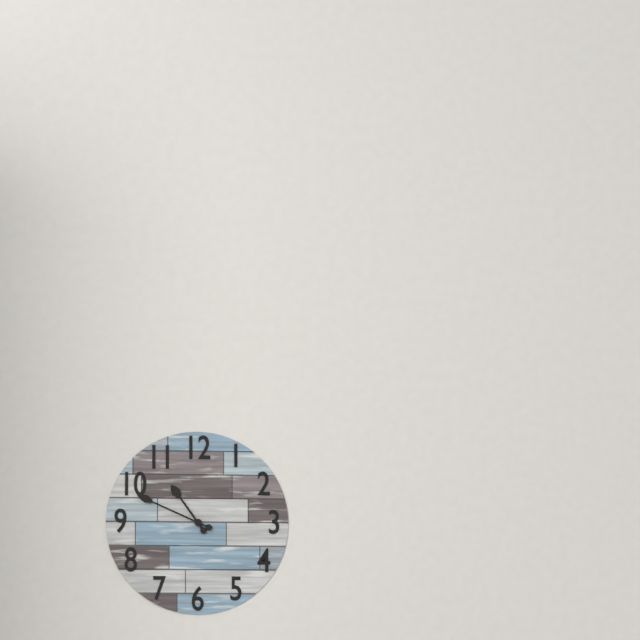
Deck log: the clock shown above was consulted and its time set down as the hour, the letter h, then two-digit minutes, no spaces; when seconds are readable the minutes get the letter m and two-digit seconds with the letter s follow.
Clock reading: 10h49
